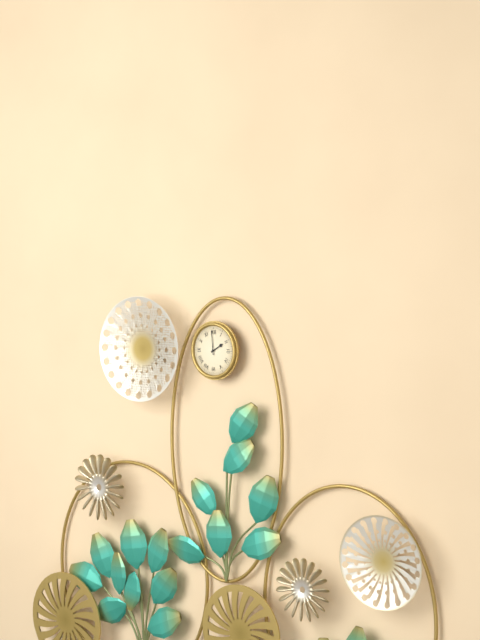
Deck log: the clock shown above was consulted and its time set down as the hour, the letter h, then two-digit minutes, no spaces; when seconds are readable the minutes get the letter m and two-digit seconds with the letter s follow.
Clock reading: 1h59
